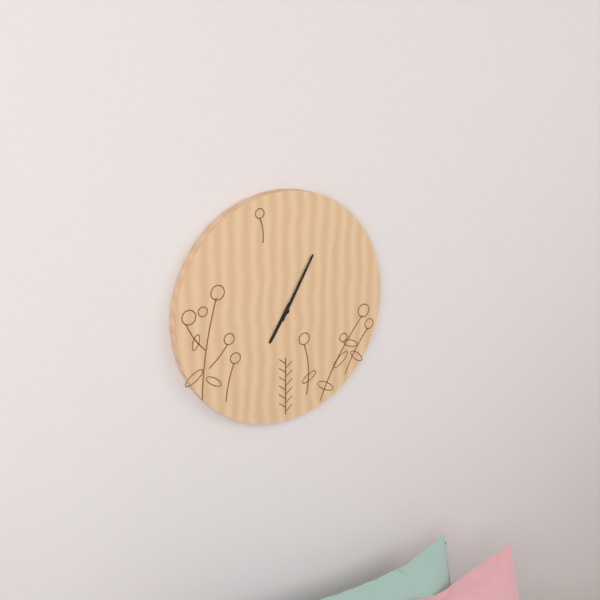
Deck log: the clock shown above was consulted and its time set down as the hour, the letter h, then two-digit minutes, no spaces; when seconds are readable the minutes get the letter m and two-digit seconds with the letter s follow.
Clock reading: 7h05
